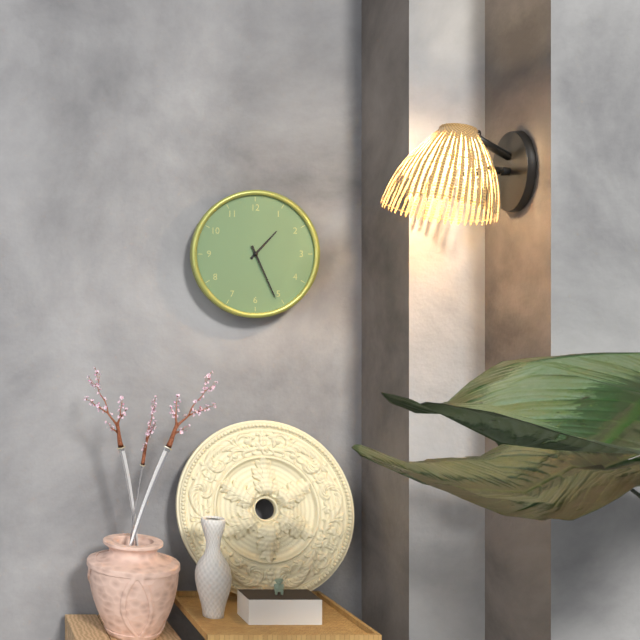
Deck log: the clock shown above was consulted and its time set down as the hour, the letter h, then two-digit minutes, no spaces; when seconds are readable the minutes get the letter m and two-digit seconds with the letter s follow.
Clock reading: 1h26
